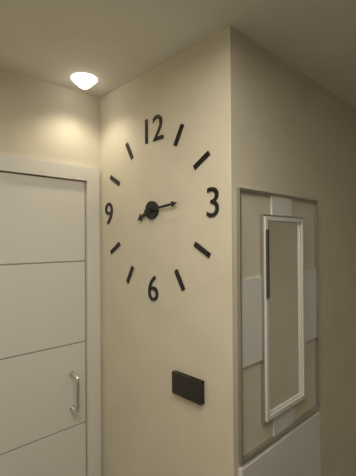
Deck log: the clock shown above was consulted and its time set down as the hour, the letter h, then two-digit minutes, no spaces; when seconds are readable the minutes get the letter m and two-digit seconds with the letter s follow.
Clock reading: 8h14
